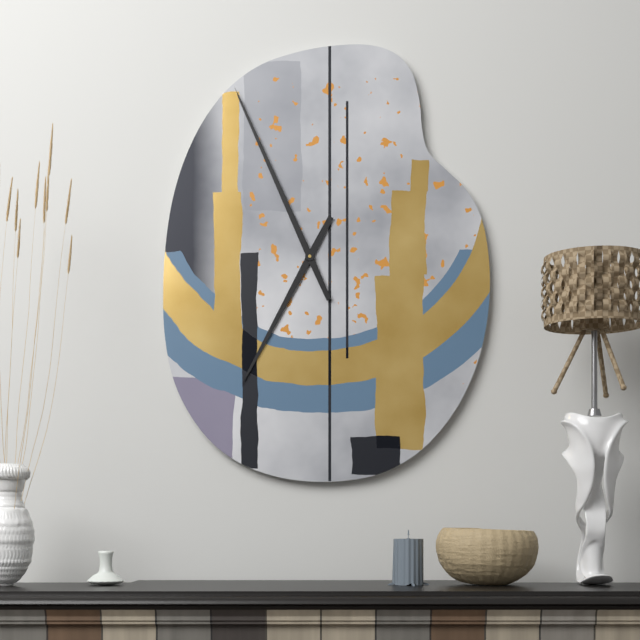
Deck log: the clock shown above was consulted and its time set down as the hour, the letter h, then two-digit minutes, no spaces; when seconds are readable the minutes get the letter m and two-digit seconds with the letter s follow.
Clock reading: 6h56
